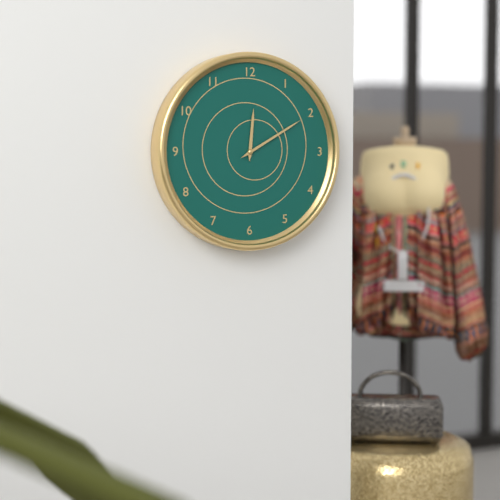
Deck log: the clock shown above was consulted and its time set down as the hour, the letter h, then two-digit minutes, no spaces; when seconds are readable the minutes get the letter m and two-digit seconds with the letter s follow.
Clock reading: 12h10
